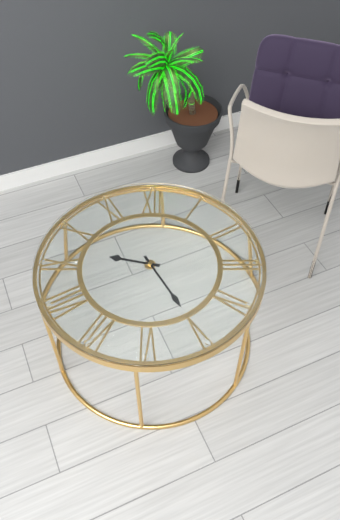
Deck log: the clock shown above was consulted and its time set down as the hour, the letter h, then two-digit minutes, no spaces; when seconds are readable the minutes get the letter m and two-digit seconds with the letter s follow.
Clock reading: 9h25
